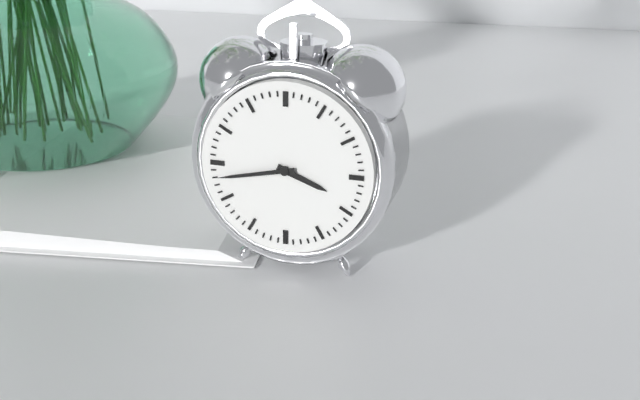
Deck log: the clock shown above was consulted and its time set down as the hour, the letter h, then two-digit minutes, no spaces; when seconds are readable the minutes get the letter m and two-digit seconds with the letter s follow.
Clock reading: 3h43
